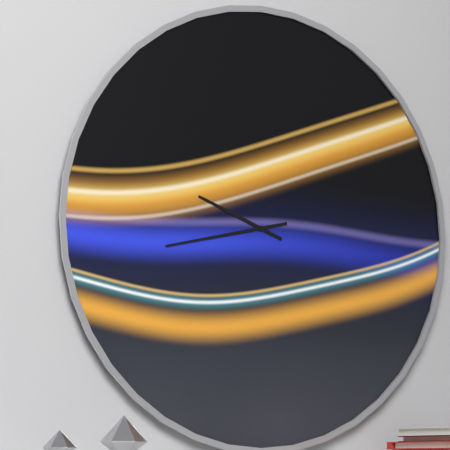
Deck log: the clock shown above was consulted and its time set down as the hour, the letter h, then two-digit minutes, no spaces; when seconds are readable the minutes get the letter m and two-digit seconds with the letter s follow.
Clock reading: 9h43
